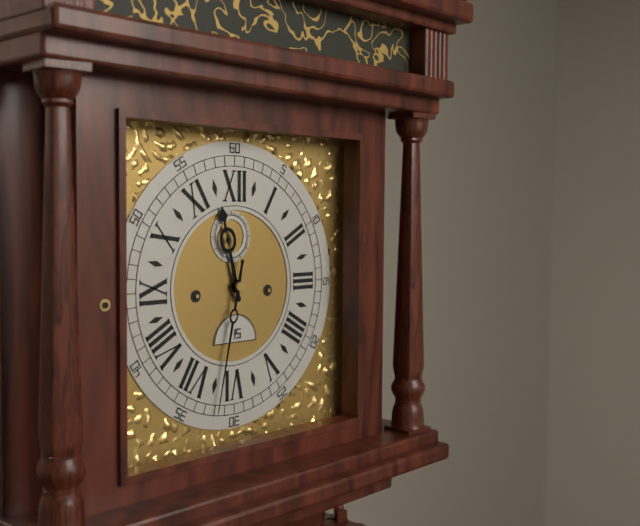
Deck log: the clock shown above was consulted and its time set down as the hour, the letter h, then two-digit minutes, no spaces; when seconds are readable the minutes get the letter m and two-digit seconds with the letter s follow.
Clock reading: 11h32
